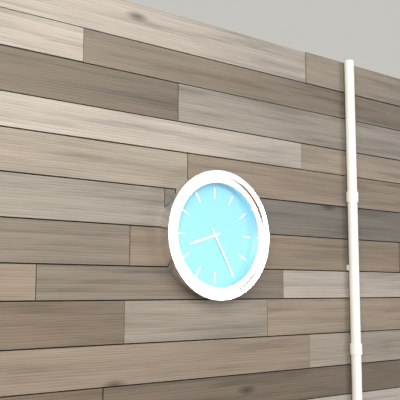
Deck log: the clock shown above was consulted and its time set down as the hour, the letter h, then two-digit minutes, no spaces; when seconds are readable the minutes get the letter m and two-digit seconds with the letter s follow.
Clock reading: 8h25
